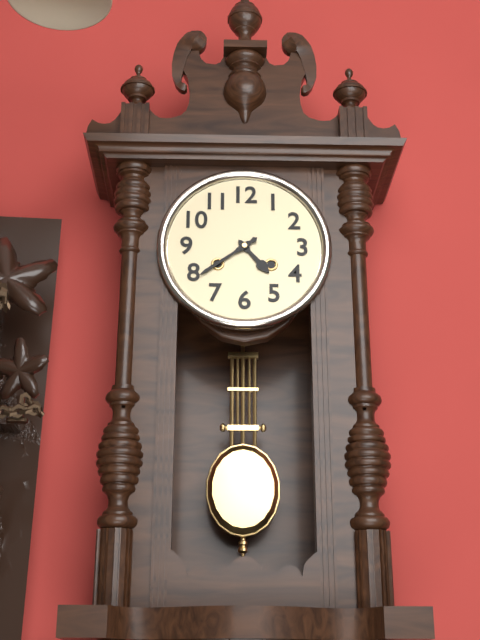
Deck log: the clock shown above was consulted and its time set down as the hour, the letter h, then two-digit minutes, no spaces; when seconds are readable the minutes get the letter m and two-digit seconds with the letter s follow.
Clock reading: 4h39
